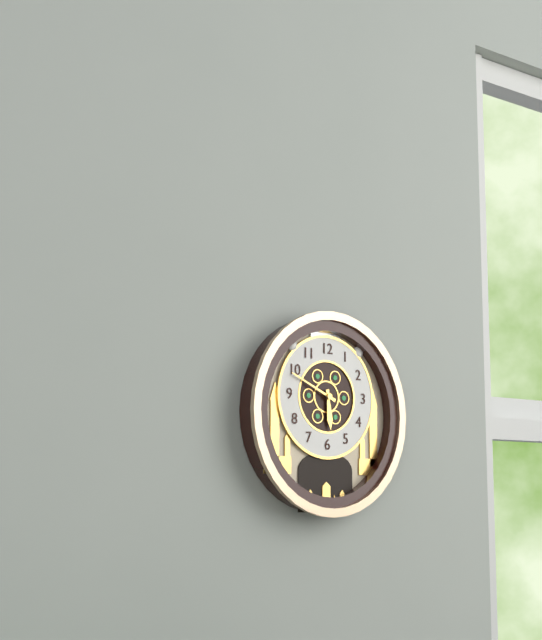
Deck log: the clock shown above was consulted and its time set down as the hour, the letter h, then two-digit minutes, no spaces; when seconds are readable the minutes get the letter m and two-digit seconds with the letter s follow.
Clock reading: 5h49
